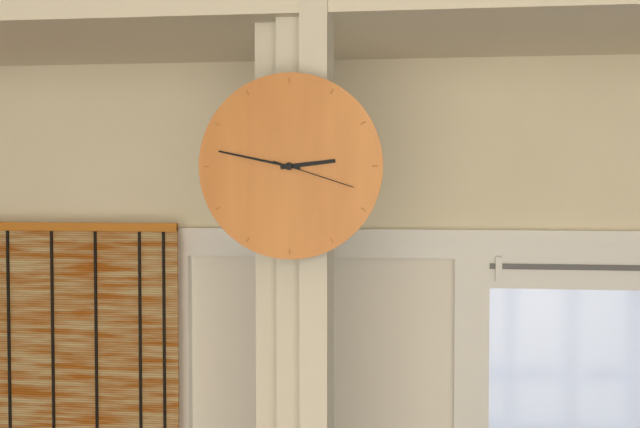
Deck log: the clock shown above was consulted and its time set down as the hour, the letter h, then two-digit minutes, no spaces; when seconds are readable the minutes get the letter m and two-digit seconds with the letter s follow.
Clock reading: 2h47m18s
